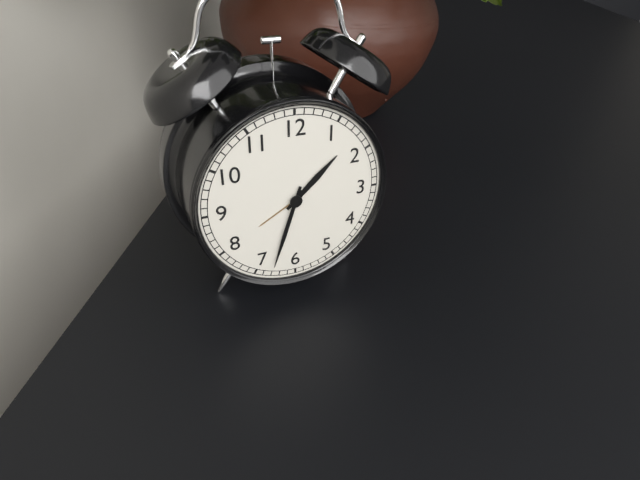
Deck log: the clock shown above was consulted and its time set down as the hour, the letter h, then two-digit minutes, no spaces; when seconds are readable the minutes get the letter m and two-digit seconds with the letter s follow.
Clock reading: 1h33
